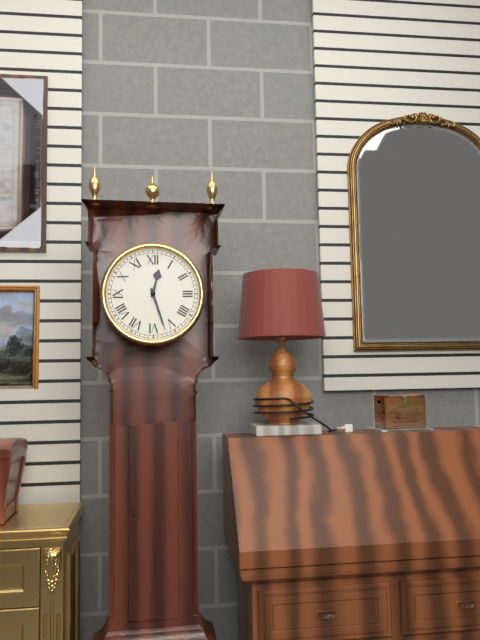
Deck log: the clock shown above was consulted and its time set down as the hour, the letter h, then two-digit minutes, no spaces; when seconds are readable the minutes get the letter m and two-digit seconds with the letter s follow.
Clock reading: 12h27
